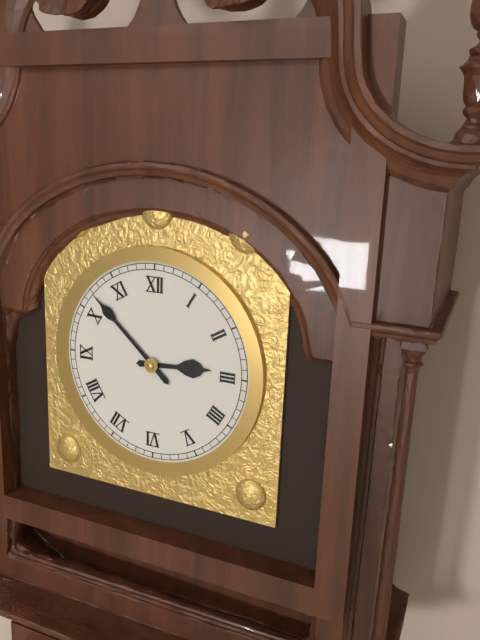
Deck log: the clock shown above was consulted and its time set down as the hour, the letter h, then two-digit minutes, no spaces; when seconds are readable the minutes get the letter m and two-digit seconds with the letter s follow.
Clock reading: 2h52
